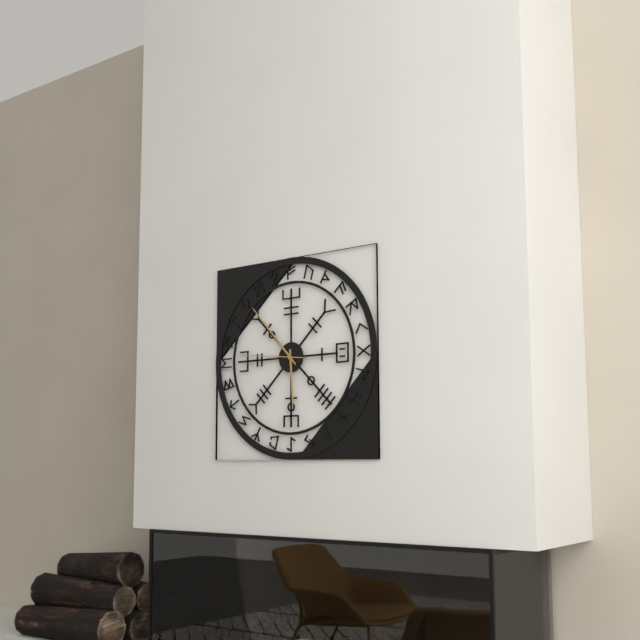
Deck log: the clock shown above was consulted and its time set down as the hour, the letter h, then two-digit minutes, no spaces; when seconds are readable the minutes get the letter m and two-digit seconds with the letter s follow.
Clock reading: 5h53m46s
